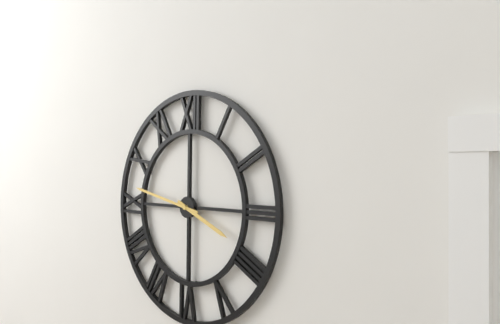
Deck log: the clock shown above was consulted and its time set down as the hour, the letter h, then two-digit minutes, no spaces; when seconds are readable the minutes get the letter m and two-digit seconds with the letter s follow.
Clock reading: 3h47
